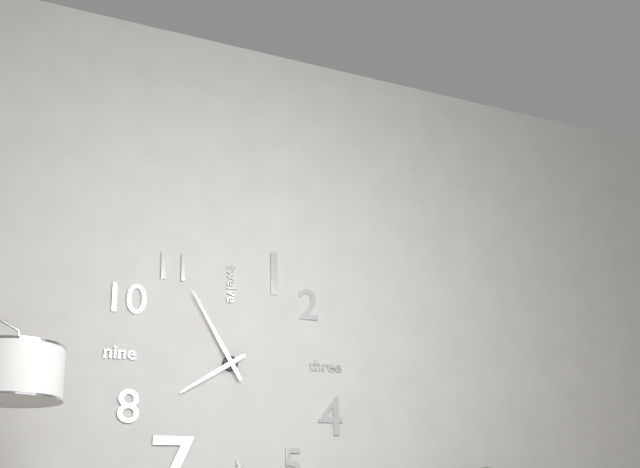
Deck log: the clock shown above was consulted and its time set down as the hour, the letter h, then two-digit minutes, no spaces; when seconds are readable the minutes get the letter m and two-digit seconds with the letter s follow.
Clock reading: 7h55
